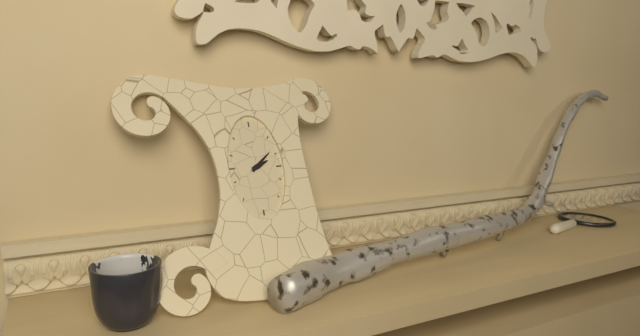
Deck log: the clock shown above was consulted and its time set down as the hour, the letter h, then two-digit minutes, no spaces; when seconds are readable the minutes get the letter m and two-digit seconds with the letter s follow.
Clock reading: 2h08
